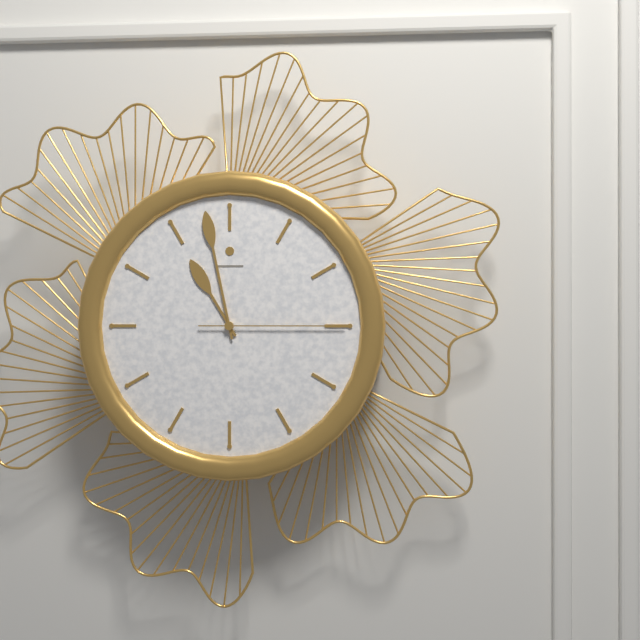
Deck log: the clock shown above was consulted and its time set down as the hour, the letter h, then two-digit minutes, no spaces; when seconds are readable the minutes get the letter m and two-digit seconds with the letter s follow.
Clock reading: 10h58m15s
